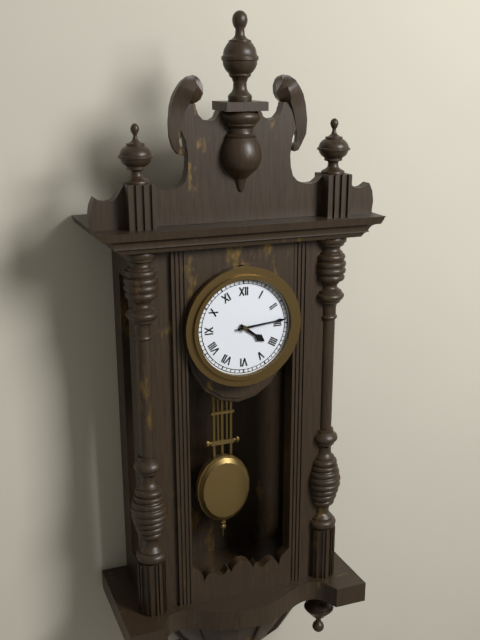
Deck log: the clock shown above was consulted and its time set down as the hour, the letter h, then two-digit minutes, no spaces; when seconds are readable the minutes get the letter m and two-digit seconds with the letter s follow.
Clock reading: 4h14
